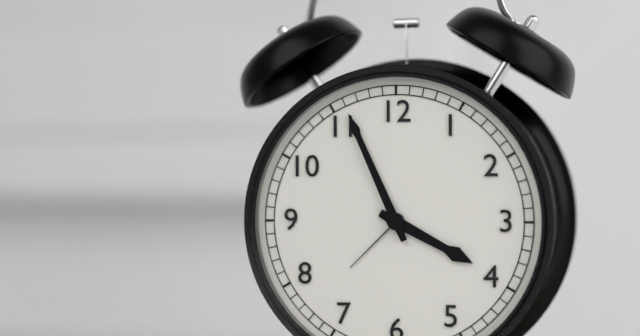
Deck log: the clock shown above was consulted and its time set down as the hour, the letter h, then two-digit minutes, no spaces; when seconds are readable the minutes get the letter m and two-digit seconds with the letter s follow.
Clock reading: 3h56
